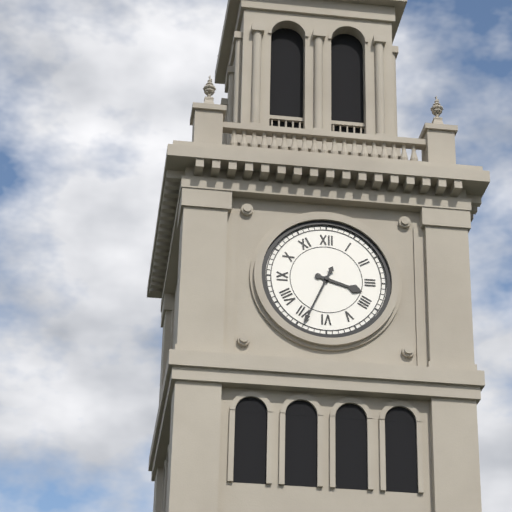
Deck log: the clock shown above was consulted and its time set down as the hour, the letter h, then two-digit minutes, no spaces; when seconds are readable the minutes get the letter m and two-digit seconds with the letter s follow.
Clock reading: 3h34
